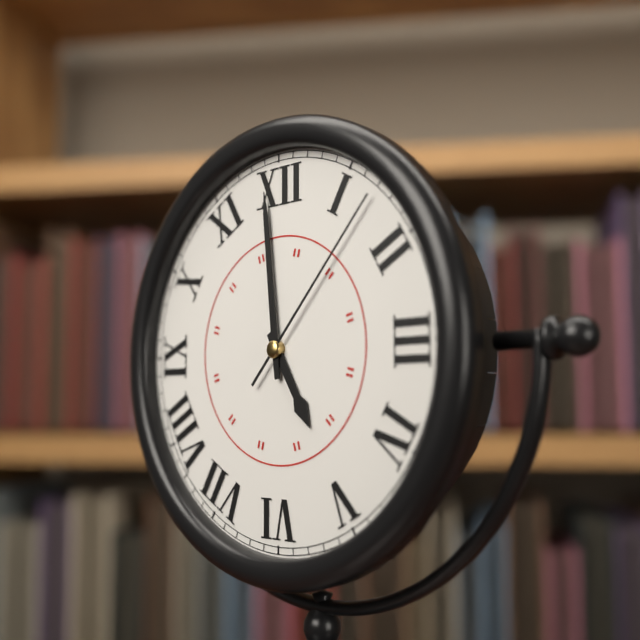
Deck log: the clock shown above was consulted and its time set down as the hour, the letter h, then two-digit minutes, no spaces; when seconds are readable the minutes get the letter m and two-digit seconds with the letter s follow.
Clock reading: 4h59m07s
